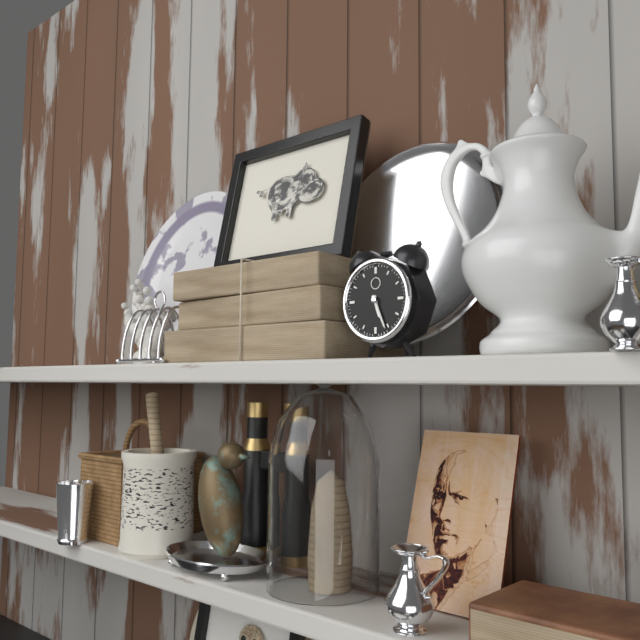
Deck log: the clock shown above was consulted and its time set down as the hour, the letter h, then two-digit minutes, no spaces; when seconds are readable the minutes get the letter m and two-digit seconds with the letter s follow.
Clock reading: 5h26
